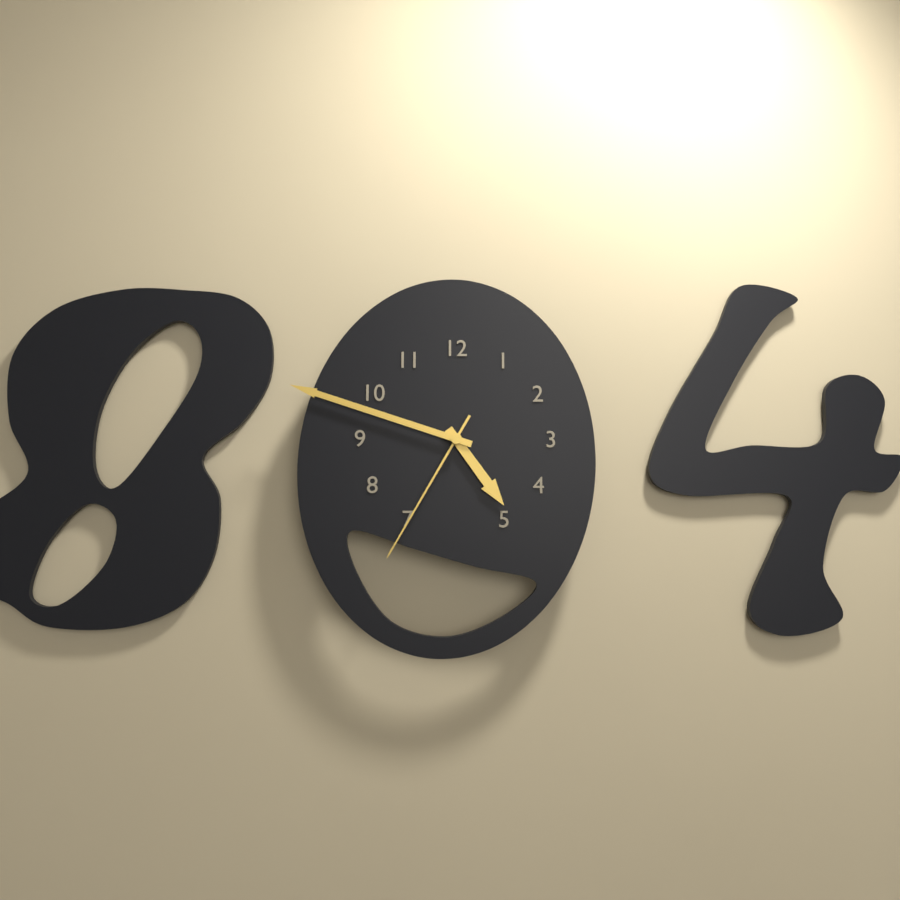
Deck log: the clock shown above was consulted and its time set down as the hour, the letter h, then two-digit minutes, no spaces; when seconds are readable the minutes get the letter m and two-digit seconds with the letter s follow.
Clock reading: 4h48m35s
